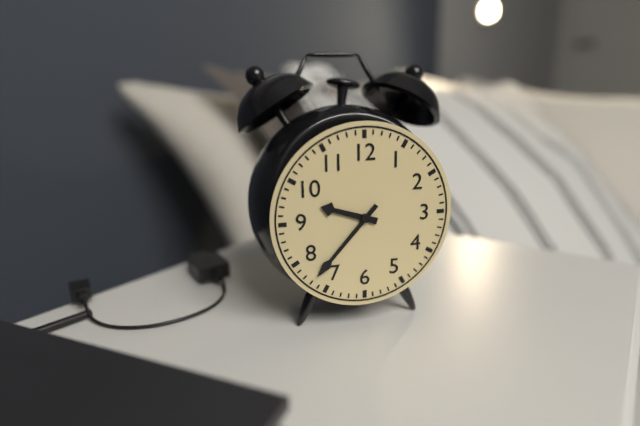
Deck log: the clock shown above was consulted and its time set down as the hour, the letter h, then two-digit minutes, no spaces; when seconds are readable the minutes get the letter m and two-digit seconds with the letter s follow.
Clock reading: 9h37
